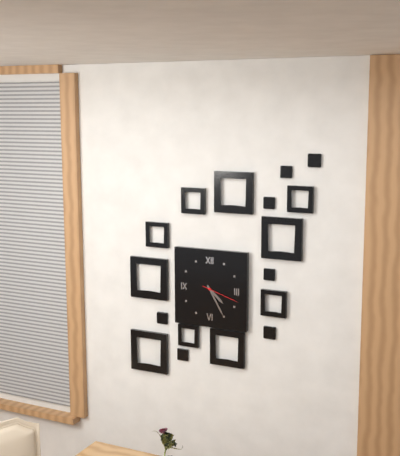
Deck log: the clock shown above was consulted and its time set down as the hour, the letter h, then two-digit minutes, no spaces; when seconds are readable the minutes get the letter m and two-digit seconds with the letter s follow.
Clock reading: 4h25
